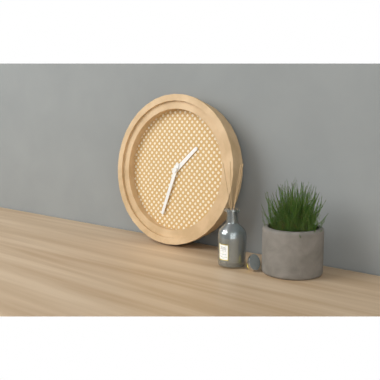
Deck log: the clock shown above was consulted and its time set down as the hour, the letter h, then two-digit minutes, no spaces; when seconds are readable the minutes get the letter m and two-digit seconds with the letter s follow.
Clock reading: 1h33
